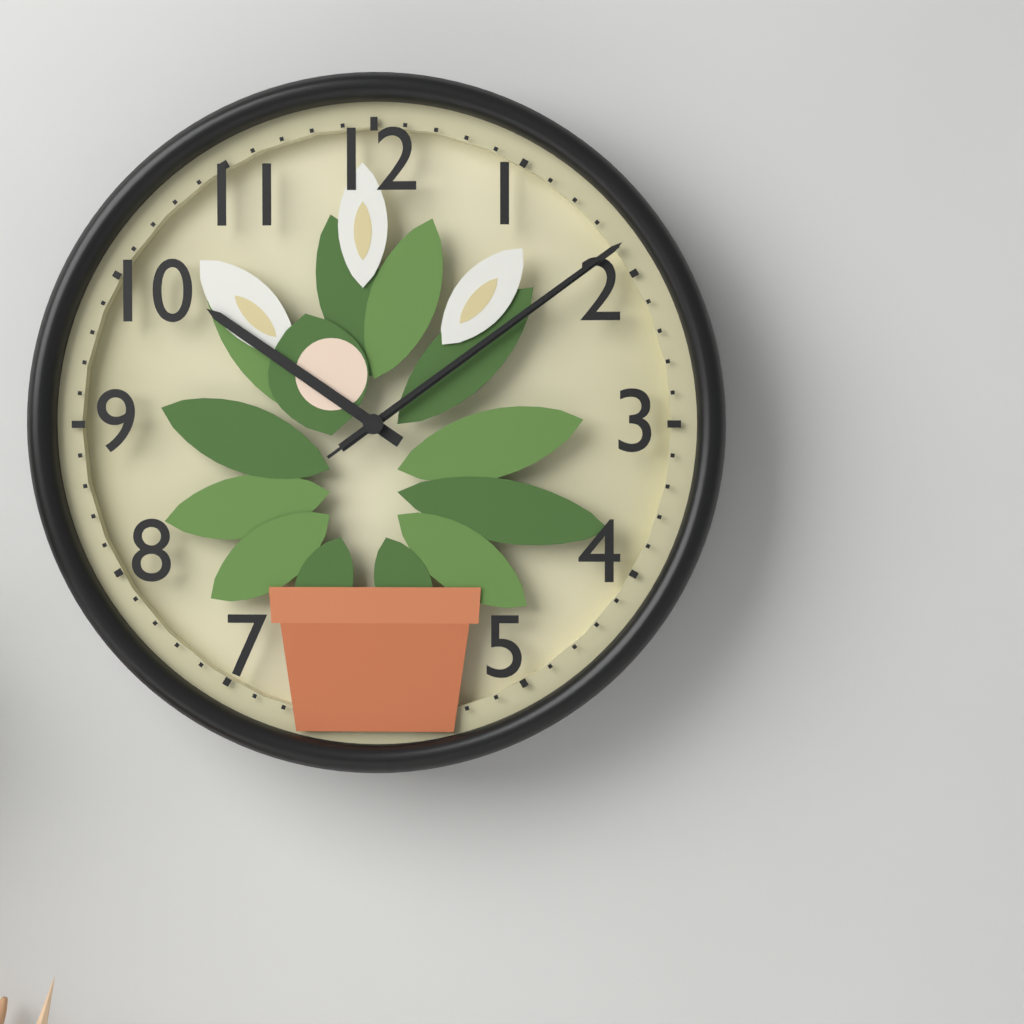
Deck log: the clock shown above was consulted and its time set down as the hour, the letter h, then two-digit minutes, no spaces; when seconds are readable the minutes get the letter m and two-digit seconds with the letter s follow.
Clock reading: 10h09m09s
